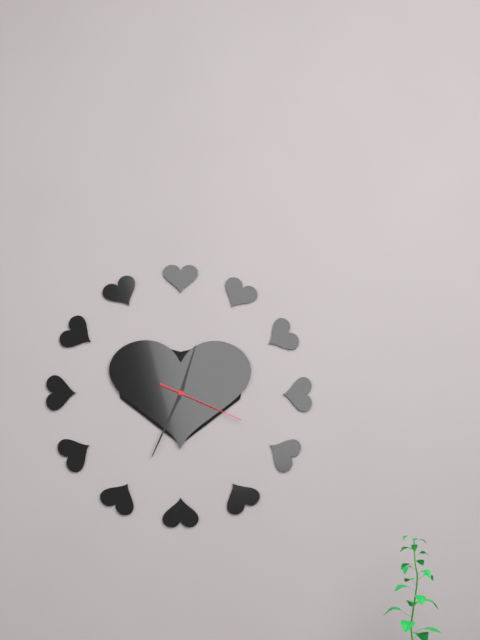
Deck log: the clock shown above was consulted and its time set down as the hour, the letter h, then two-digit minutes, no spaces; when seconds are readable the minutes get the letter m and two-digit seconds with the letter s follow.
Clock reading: 12h34m19s
